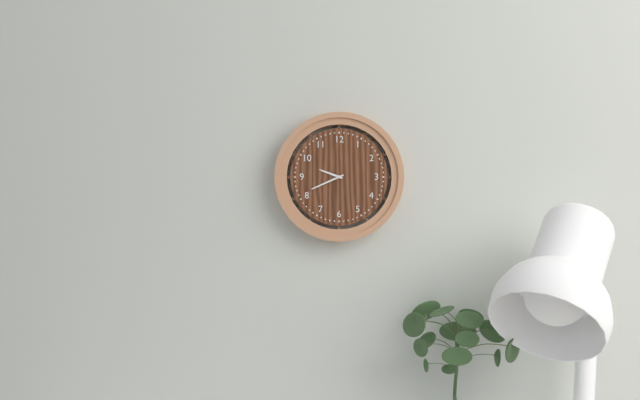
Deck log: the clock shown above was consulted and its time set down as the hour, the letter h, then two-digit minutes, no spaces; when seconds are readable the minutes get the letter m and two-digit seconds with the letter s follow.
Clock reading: 9h41
